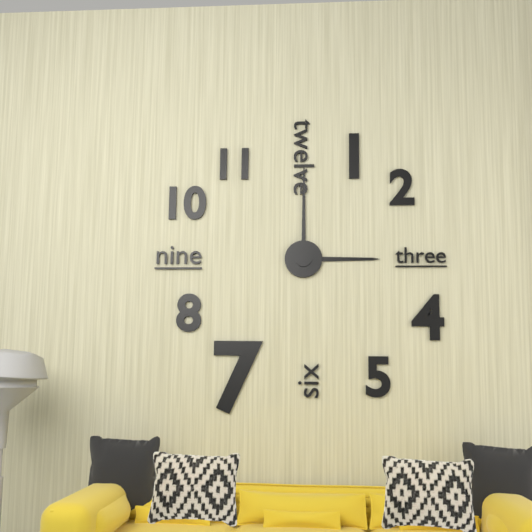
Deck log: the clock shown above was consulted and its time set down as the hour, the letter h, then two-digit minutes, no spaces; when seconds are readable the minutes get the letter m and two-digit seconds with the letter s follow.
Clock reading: 3h00
